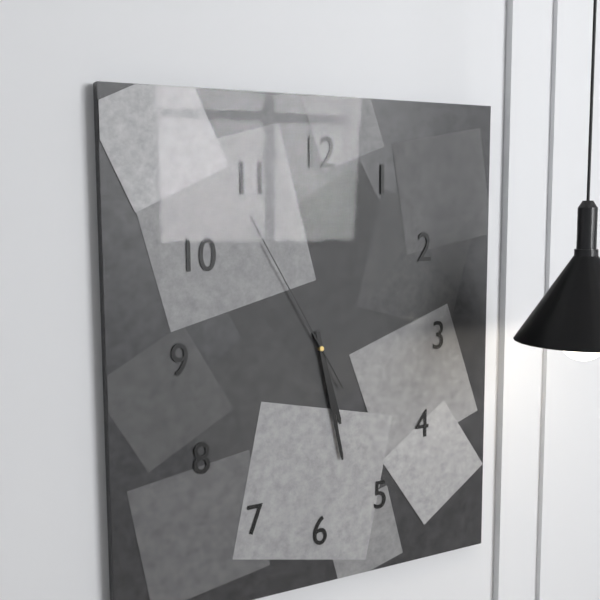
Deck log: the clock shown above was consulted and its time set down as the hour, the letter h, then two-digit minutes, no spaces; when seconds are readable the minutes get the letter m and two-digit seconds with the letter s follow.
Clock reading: 5h28m55s
